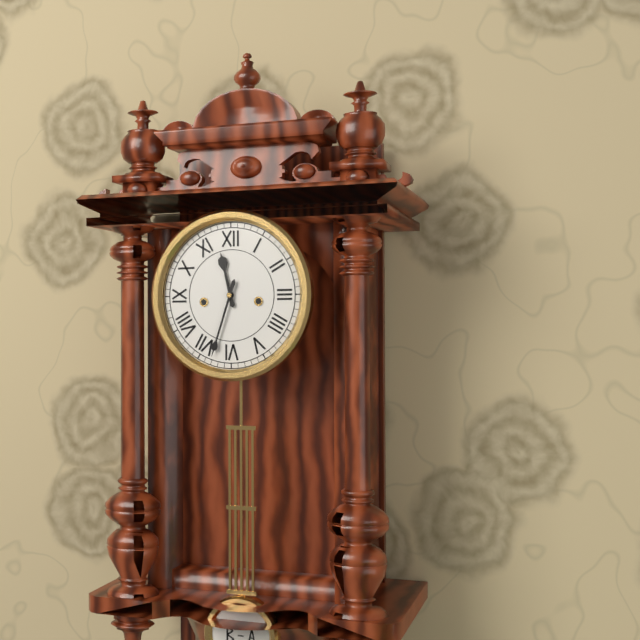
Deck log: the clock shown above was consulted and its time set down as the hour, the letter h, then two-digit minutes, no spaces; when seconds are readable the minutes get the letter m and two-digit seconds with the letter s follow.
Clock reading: 11h33
